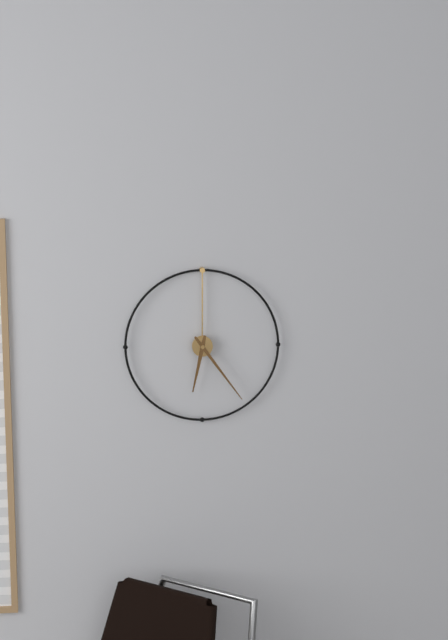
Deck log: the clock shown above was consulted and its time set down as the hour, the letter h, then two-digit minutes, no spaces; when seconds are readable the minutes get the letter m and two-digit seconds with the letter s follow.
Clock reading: 6h24
